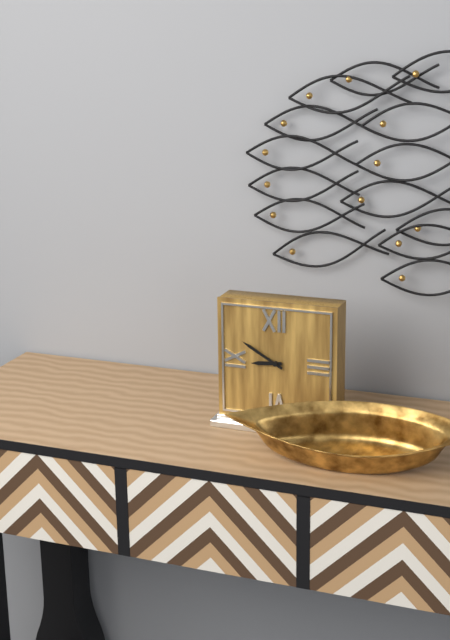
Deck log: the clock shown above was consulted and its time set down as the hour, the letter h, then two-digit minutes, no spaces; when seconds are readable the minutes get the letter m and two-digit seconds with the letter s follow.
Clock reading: 8h50
